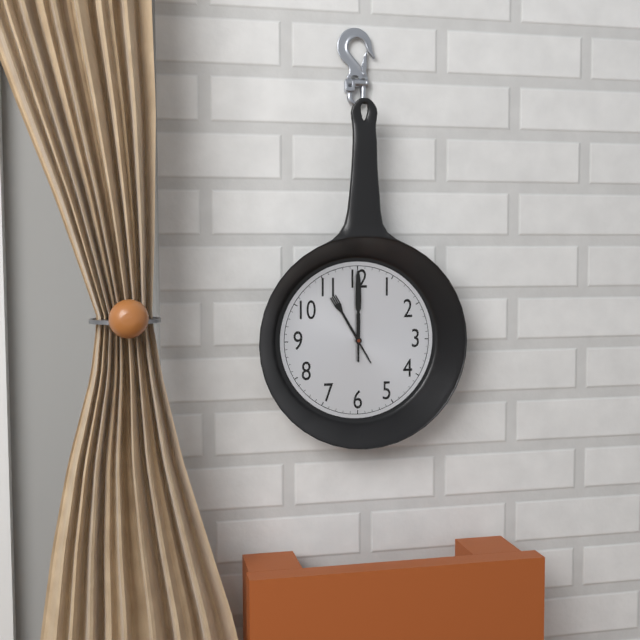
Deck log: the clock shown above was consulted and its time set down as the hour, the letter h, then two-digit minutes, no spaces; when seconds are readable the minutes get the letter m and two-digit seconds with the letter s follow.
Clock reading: 11h00
